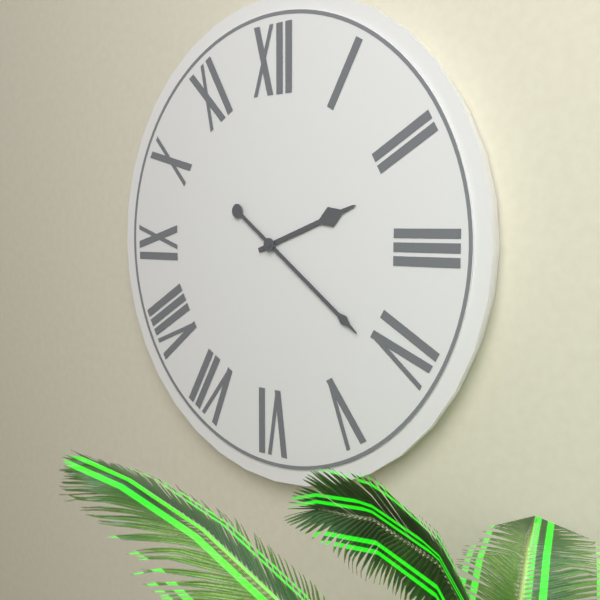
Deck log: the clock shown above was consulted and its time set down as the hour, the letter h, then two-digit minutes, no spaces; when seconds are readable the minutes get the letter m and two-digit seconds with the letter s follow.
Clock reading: 2h21
